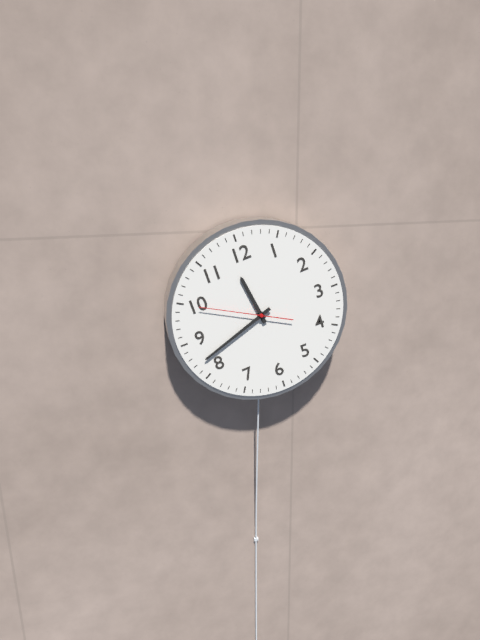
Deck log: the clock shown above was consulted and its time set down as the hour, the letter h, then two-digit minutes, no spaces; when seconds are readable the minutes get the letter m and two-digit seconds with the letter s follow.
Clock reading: 11h42m50s
